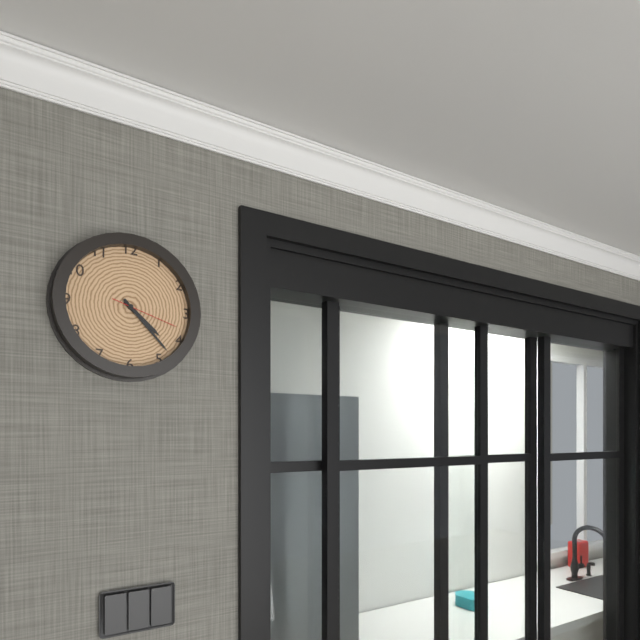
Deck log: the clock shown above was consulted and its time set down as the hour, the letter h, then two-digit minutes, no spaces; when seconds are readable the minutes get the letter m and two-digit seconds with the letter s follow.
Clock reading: 4h23m18s
